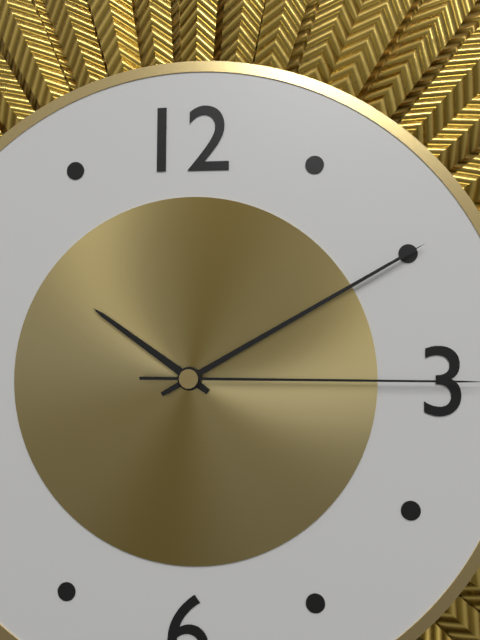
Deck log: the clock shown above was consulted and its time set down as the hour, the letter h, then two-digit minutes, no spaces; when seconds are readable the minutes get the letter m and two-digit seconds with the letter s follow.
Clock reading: 10h10
